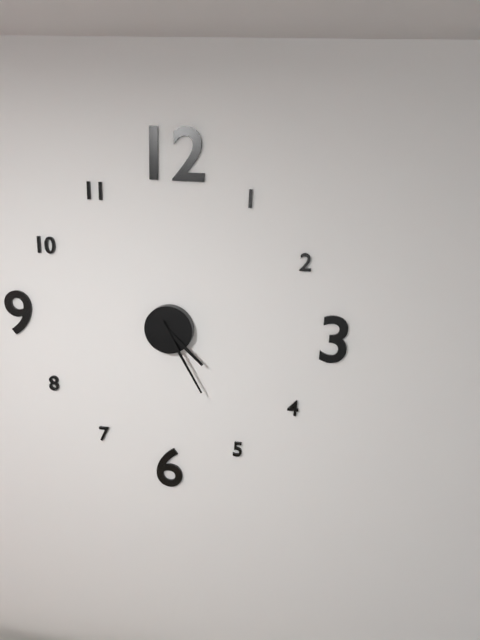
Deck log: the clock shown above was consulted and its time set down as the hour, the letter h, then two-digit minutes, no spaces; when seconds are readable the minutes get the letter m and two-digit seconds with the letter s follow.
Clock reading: 4h25
